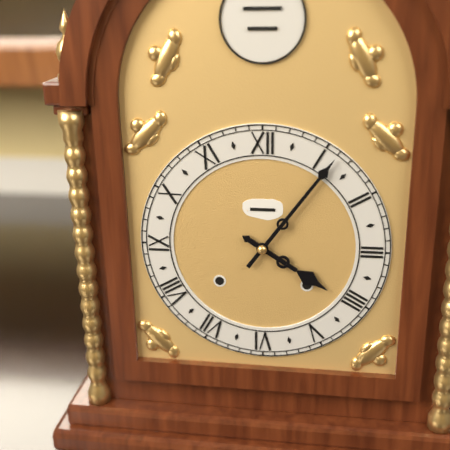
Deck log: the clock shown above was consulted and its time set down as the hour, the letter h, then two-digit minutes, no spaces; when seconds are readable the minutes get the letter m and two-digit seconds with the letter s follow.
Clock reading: 4h06
